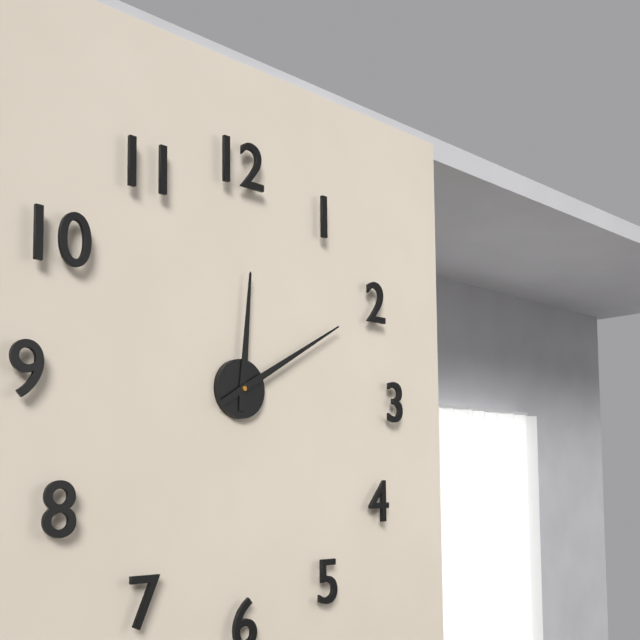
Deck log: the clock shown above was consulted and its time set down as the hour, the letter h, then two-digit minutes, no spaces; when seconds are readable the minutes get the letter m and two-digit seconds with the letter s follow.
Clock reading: 12h10
